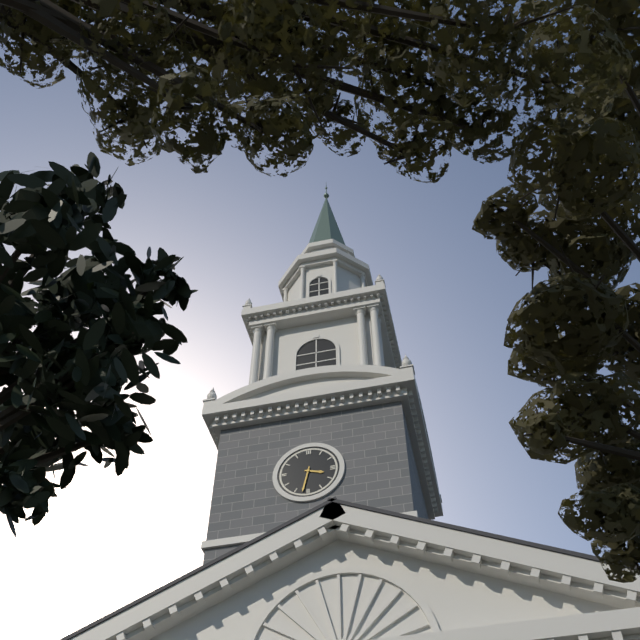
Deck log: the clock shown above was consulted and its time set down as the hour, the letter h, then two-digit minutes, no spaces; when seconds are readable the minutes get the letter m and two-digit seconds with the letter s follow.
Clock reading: 3h32
